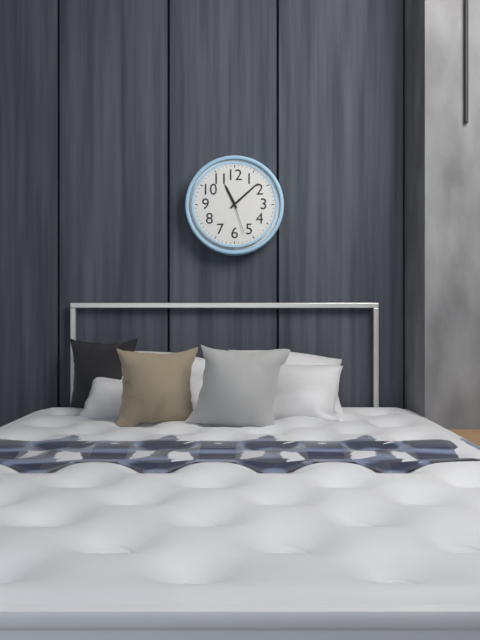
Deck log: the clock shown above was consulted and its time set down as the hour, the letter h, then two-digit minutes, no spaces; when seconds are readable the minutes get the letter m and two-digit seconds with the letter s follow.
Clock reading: 11h08
